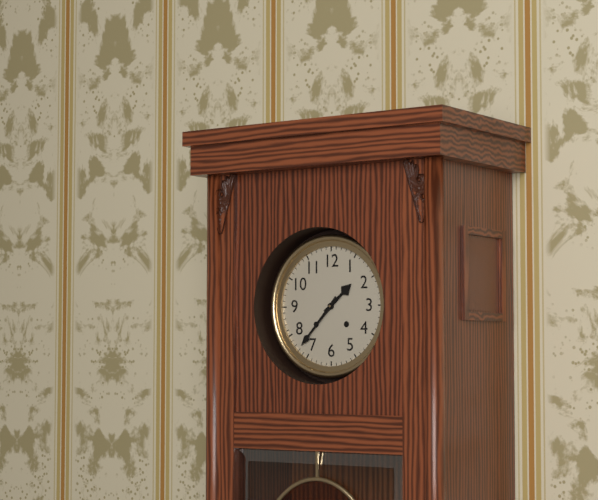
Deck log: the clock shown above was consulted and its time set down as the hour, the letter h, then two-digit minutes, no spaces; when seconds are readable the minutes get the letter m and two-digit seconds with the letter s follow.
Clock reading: 1h37
